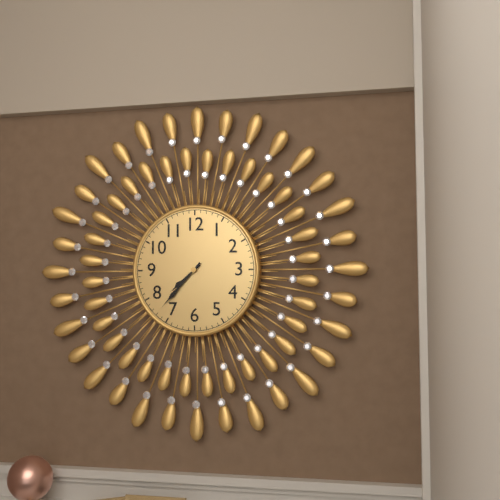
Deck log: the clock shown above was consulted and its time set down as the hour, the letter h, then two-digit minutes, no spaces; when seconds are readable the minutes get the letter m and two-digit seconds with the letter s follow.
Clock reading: 7h37
